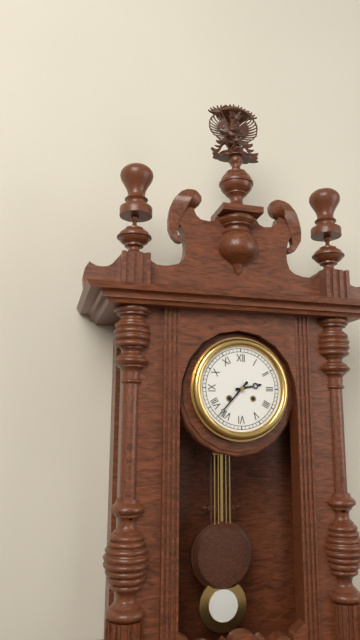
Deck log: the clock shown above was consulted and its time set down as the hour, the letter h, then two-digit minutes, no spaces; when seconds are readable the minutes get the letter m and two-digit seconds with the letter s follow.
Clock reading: 2h37
